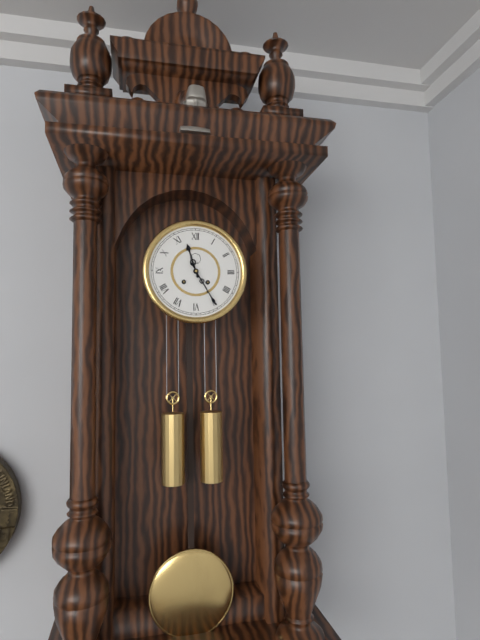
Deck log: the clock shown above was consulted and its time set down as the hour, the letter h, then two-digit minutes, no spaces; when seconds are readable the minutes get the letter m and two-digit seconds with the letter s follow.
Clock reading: 11h25
